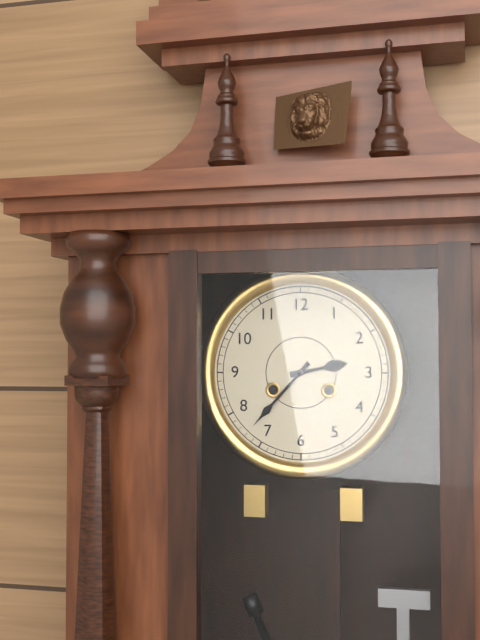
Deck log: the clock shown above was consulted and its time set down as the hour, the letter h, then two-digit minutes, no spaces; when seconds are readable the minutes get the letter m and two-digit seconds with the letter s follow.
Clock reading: 2h37
